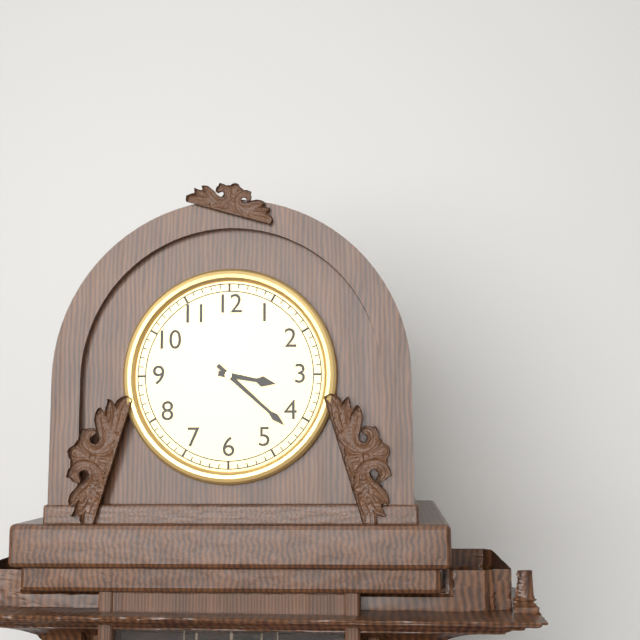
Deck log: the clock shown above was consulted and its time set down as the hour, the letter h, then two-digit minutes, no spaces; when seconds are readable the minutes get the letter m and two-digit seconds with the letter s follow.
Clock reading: 3h22
